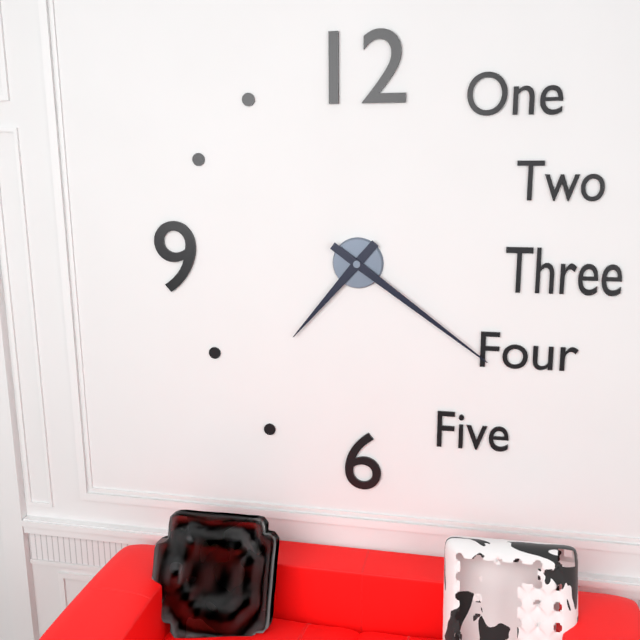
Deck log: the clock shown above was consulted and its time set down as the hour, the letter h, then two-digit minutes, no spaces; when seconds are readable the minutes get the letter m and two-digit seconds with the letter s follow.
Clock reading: 7h21
